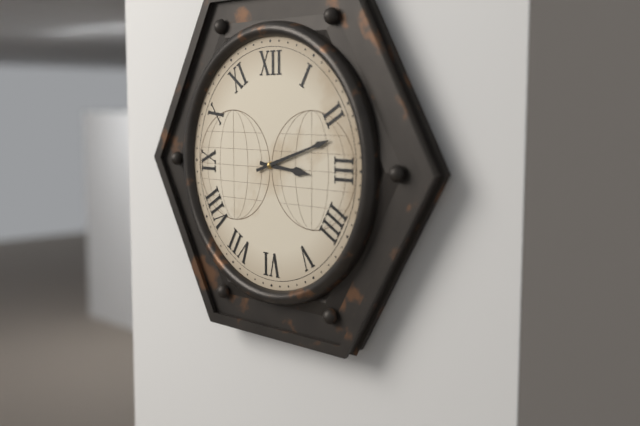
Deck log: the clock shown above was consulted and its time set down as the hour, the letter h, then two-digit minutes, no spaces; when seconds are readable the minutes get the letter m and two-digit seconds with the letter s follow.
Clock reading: 3h12
